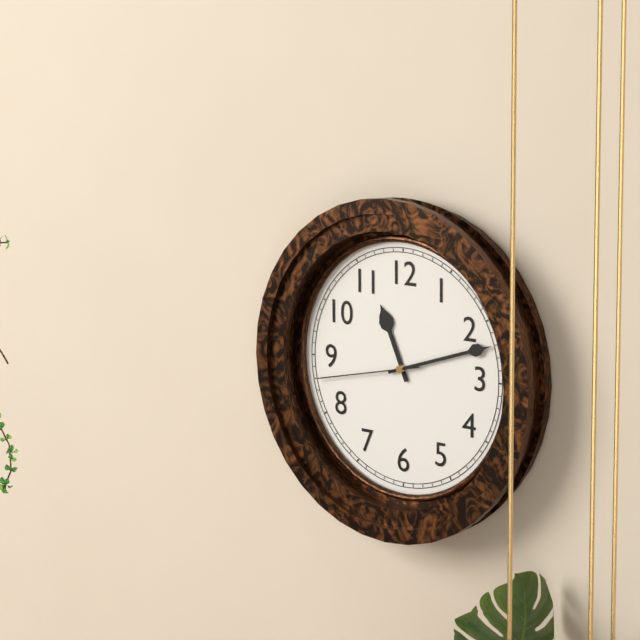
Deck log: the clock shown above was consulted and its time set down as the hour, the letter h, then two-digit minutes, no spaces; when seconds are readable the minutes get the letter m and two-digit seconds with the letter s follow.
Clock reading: 11h12m43s
